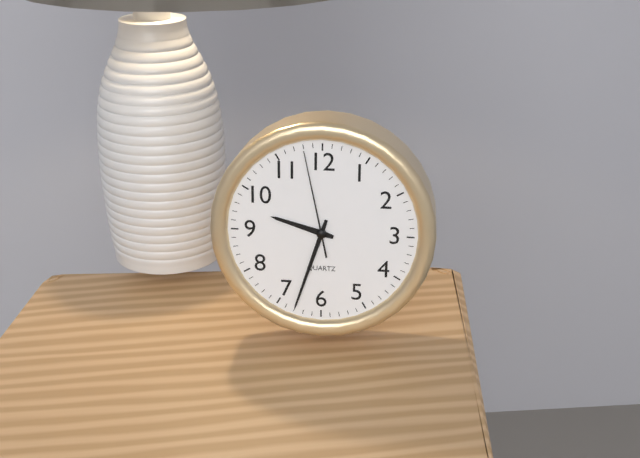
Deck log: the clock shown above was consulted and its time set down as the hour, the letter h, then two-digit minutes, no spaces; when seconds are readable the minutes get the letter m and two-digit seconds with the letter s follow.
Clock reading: 9h33m58s
